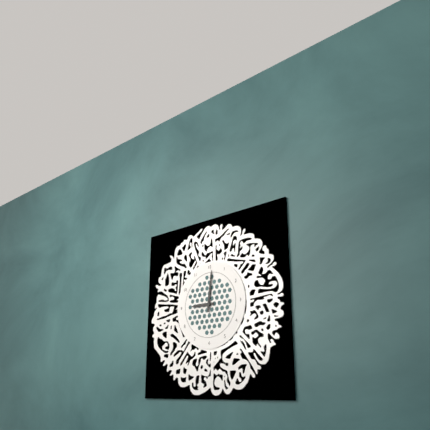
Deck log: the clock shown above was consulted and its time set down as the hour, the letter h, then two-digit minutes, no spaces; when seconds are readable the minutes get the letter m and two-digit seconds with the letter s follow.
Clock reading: 9h01
